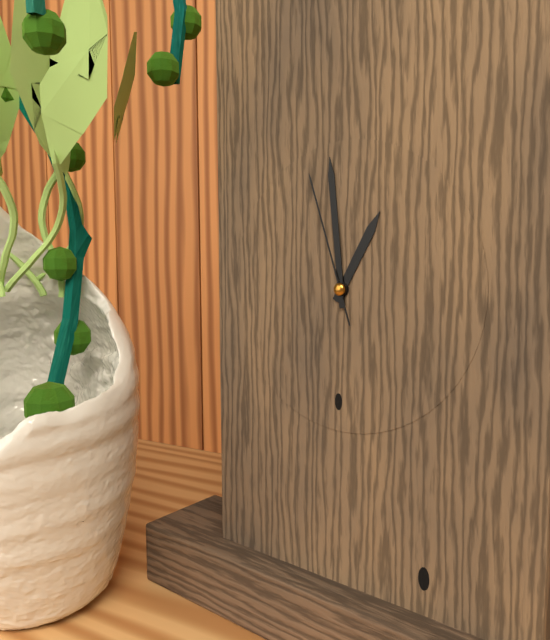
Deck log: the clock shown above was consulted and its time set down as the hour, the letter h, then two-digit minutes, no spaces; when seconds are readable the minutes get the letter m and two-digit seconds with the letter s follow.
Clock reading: 12h59m57s
